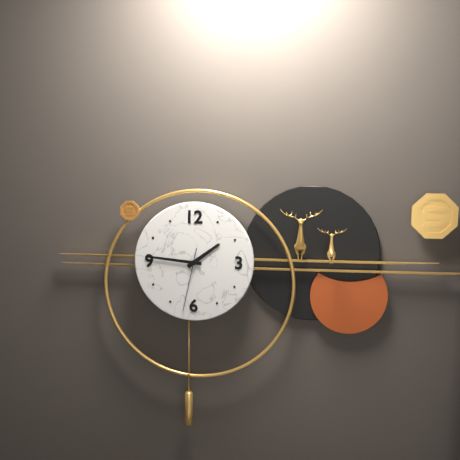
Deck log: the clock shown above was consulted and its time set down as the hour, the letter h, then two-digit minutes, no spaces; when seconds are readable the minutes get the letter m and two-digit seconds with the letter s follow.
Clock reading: 1h46m32s
